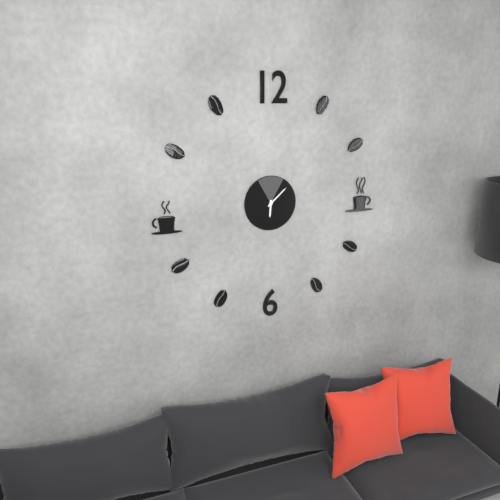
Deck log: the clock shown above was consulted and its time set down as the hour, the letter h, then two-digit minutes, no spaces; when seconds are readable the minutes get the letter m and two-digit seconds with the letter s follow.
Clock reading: 6h08
